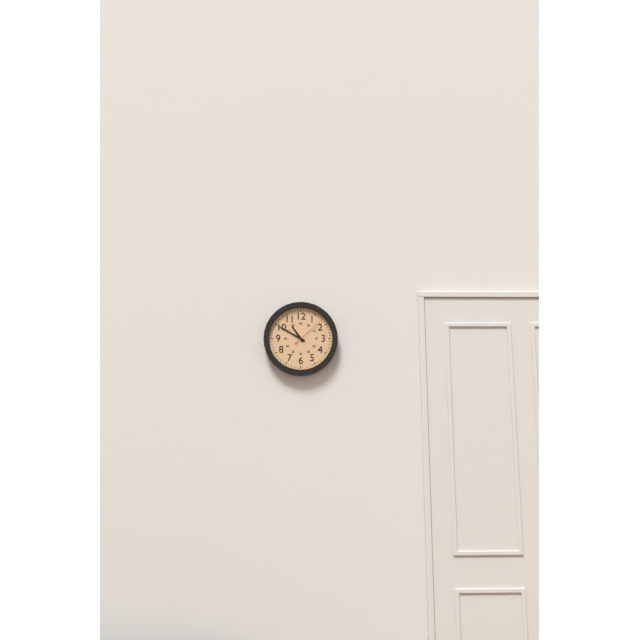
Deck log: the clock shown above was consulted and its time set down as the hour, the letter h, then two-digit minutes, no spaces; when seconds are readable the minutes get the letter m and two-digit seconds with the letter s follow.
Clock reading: 10h50
